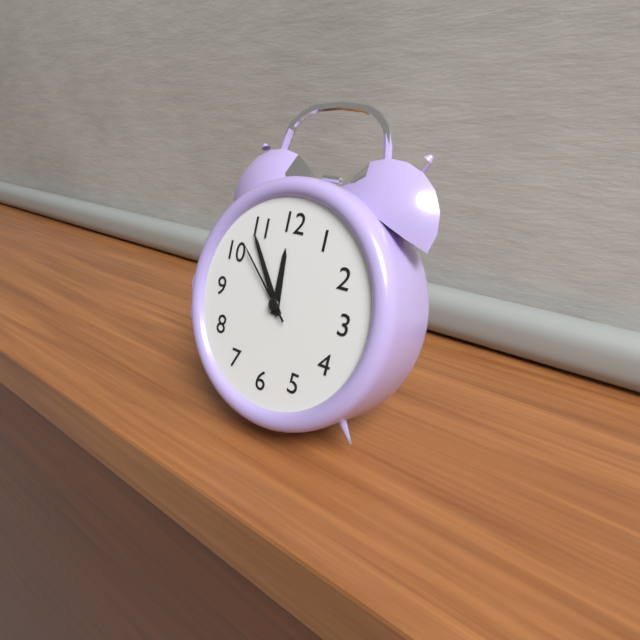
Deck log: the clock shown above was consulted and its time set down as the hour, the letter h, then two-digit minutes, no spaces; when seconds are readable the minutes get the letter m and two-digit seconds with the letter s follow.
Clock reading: 11h54m52s
